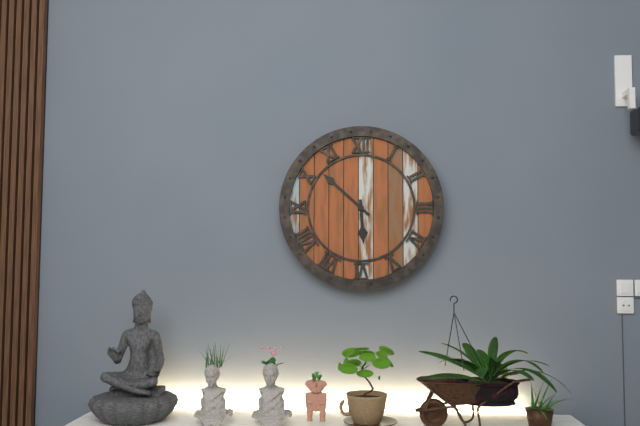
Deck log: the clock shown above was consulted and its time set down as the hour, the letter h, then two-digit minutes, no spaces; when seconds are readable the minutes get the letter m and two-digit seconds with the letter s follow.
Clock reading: 5h52
